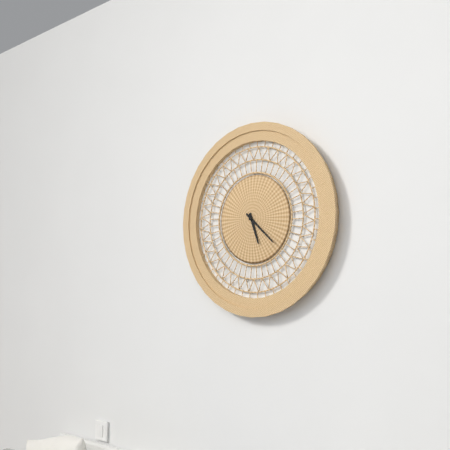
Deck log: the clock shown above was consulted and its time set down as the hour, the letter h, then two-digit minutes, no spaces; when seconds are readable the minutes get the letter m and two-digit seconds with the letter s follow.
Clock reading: 5h22
